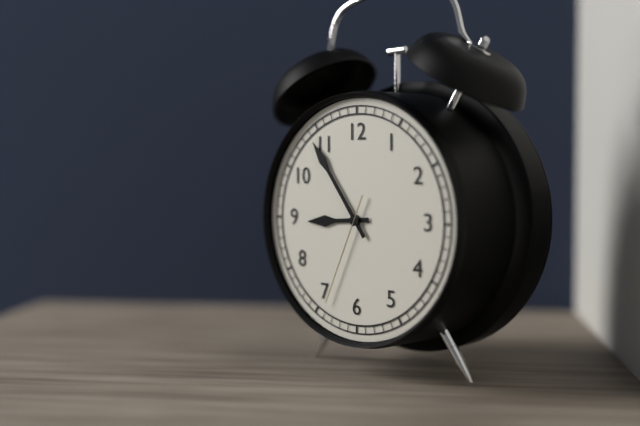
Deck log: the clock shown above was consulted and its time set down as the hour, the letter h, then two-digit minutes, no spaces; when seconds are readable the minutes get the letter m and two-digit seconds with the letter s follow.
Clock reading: 8h54m34s
